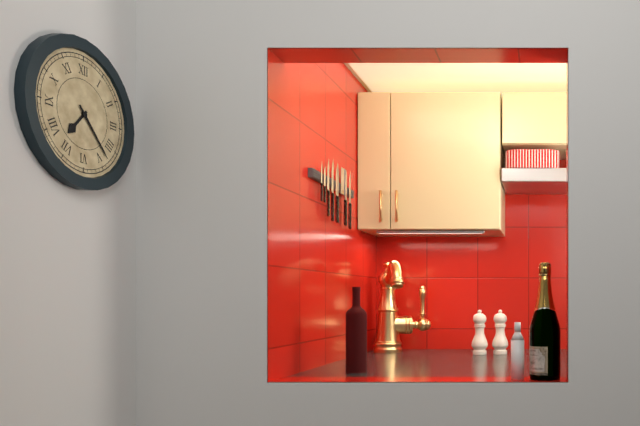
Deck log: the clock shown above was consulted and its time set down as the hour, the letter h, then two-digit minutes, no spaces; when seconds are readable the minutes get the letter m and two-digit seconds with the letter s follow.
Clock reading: 7h23
